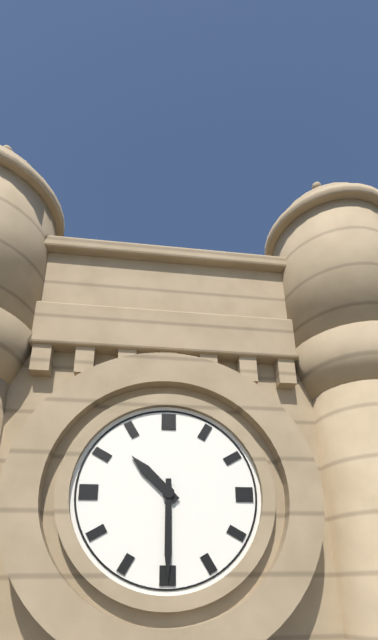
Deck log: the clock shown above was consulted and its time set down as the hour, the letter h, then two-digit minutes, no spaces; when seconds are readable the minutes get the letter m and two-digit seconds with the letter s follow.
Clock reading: 10h30
